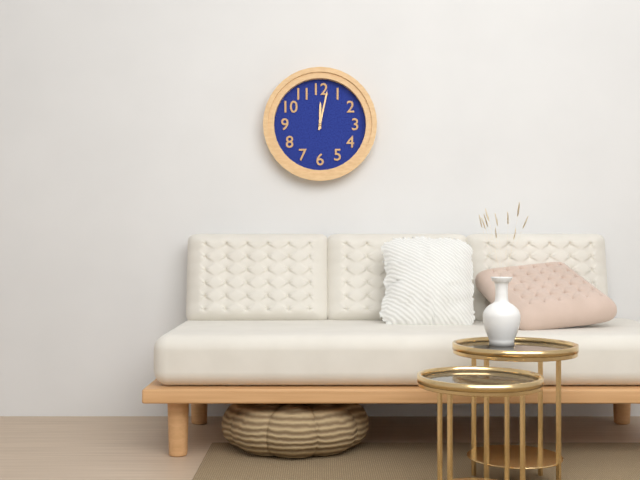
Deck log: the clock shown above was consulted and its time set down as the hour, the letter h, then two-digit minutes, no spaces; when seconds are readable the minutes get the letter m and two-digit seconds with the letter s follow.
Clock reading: 12h02
